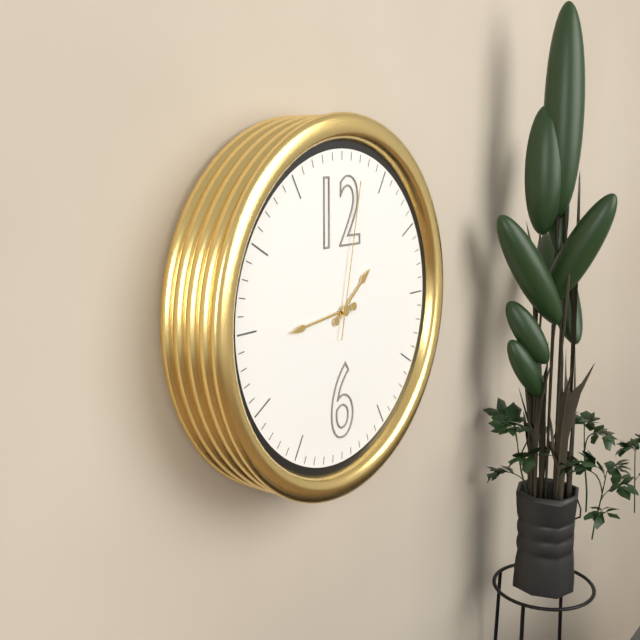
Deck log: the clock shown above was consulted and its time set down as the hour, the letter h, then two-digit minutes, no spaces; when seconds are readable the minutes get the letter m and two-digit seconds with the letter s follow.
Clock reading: 1h44m02s
